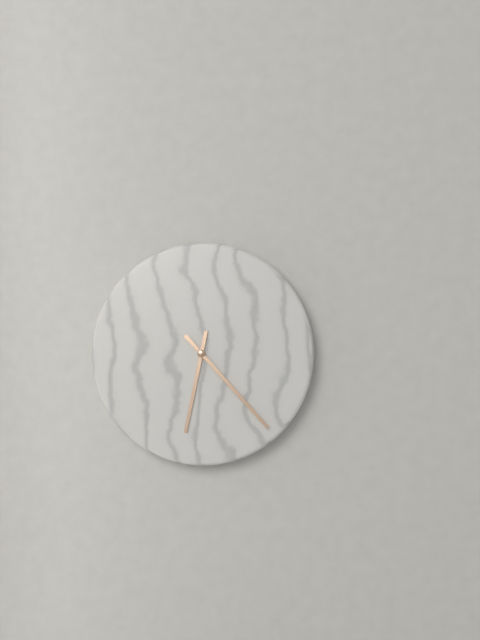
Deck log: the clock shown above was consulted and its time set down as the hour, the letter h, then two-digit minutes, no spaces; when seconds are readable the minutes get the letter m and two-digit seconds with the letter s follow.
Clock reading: 6h23
